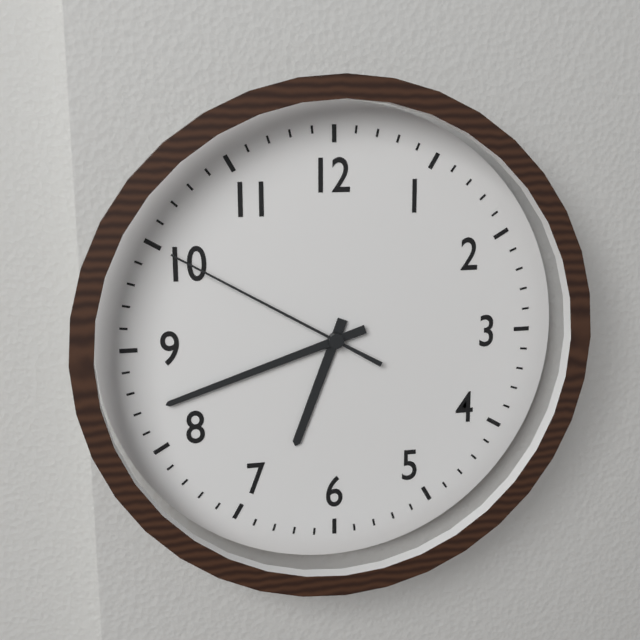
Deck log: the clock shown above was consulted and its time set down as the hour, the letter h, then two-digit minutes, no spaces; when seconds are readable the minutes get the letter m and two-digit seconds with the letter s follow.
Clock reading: 6h42m50s
